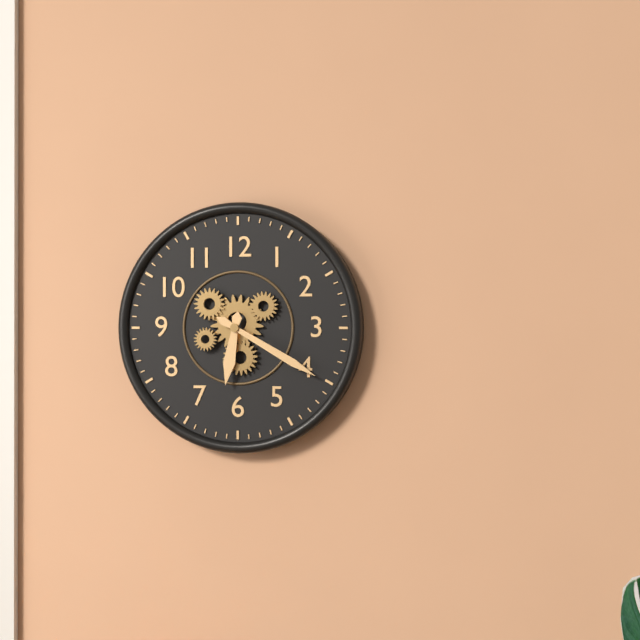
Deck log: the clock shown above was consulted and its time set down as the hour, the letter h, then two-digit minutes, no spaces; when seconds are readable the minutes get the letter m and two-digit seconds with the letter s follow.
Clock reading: 6h20
